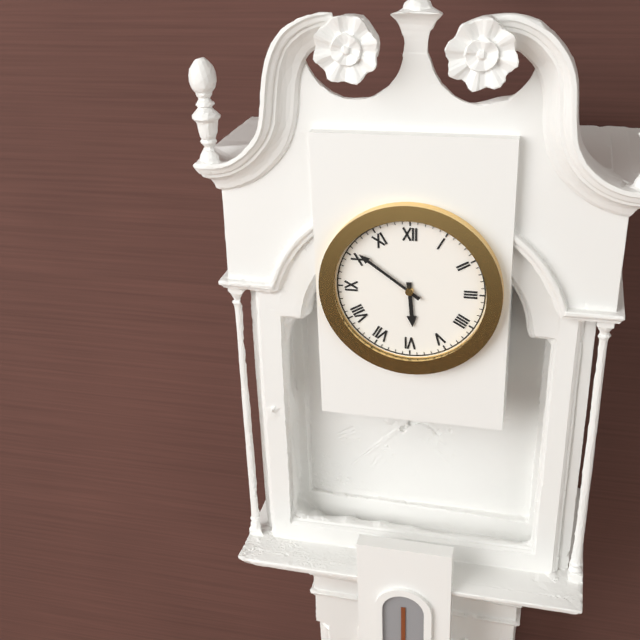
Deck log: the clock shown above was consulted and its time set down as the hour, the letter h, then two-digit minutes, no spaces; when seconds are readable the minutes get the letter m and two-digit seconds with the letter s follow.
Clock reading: 5h51
